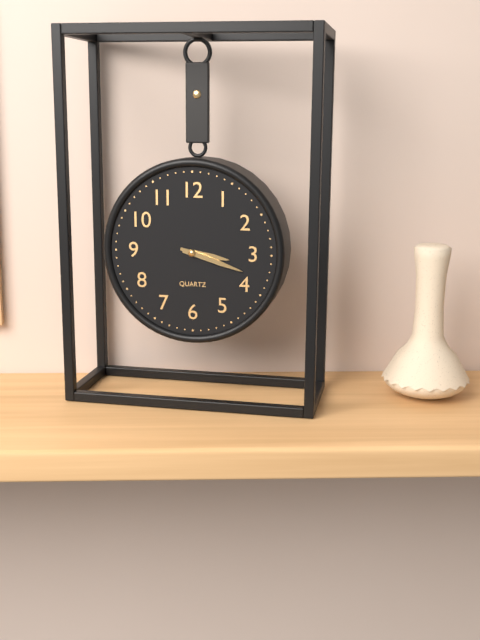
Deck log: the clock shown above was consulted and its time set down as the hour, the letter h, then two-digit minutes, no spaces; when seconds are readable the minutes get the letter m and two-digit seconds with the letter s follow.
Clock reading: 3h18
